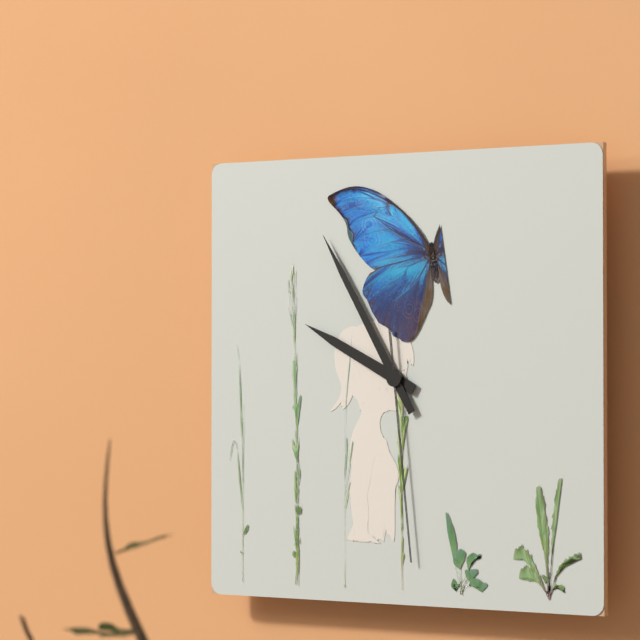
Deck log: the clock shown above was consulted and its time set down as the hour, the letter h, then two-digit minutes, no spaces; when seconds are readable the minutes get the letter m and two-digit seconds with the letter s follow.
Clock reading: 9h55m29s
